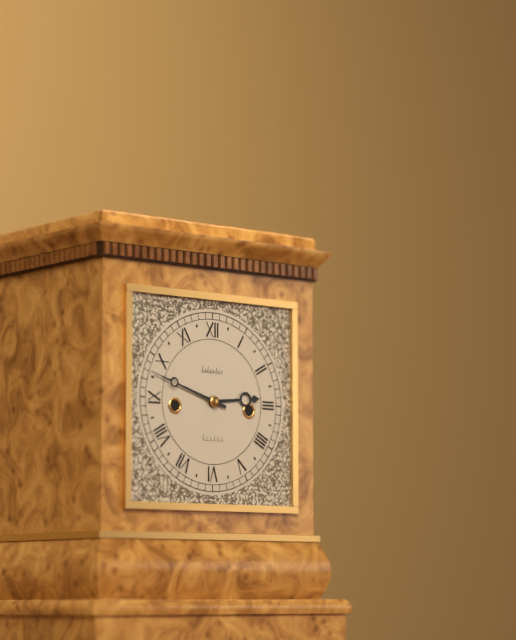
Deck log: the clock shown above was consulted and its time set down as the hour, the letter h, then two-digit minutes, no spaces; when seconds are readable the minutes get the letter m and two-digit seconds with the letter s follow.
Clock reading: 2h48
